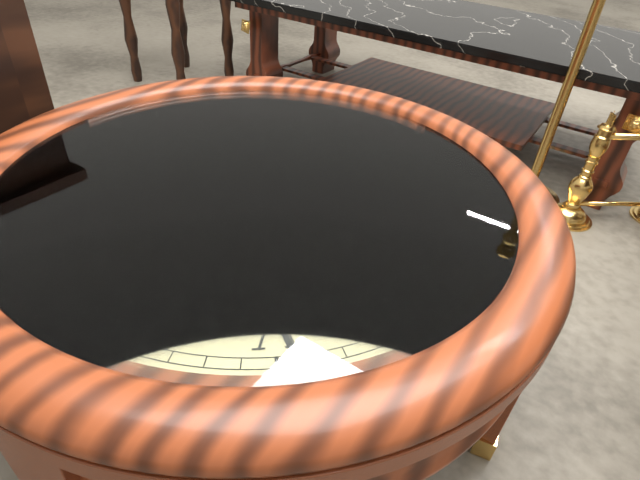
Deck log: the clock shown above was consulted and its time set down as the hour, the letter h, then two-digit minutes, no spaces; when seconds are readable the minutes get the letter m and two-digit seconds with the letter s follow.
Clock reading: 3h36m05s
